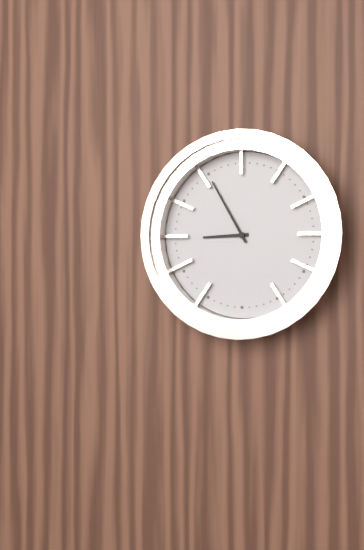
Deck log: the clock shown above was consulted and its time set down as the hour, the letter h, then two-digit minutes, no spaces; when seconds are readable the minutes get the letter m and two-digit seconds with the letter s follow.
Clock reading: 8h55
